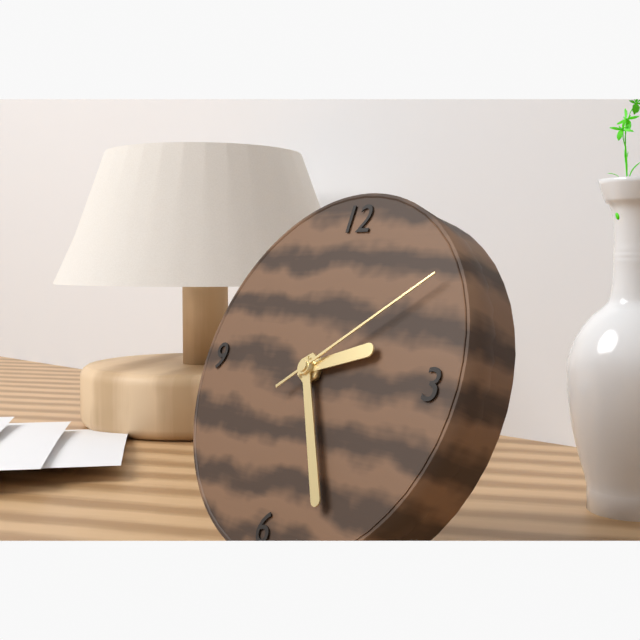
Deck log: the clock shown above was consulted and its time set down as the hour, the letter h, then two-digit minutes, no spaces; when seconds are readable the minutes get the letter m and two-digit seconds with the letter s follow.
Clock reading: 2h25m09s
